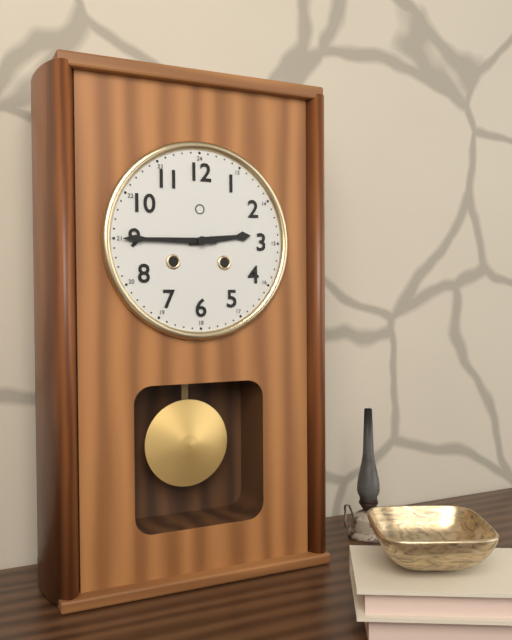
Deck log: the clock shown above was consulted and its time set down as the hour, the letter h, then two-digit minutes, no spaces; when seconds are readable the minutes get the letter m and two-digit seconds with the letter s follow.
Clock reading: 2h45
